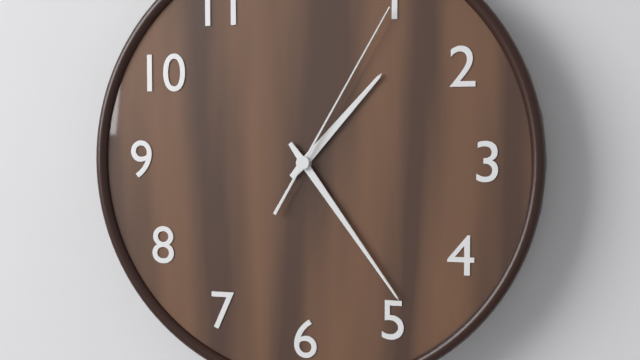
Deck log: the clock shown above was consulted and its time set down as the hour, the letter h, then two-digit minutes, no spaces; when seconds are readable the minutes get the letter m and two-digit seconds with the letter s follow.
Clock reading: 1h24m05s
